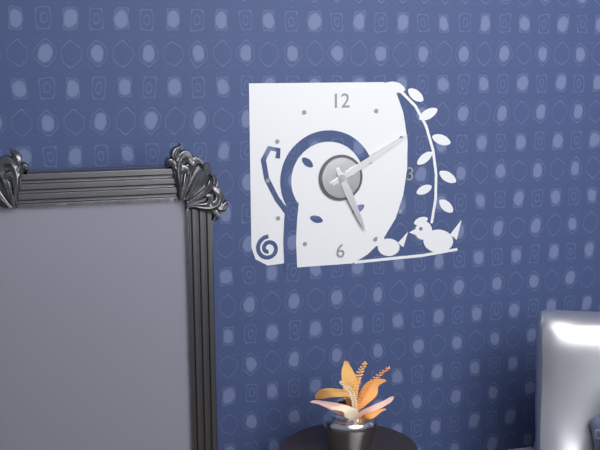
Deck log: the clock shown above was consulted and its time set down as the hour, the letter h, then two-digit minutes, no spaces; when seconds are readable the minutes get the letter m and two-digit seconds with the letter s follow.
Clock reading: 5h10
